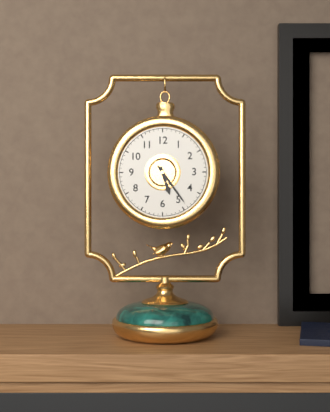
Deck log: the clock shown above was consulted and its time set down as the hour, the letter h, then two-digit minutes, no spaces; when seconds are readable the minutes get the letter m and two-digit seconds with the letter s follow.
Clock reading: 5h24
